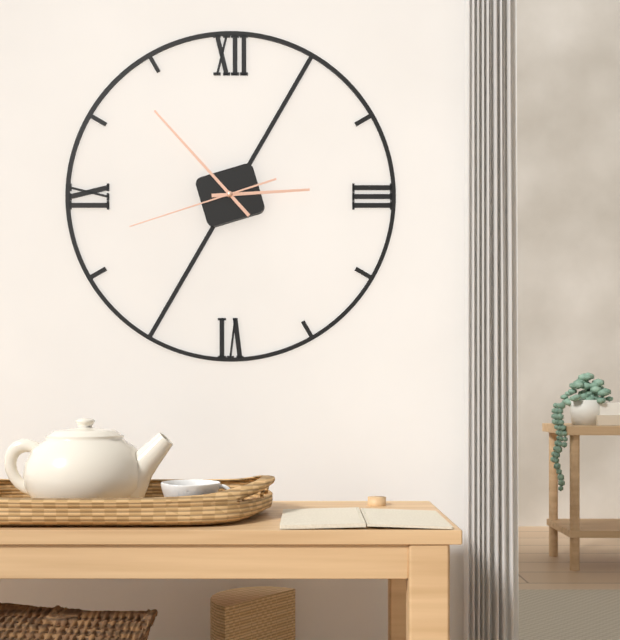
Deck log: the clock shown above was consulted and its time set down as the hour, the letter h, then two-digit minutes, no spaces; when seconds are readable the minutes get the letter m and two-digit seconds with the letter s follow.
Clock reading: 2h53m42s
